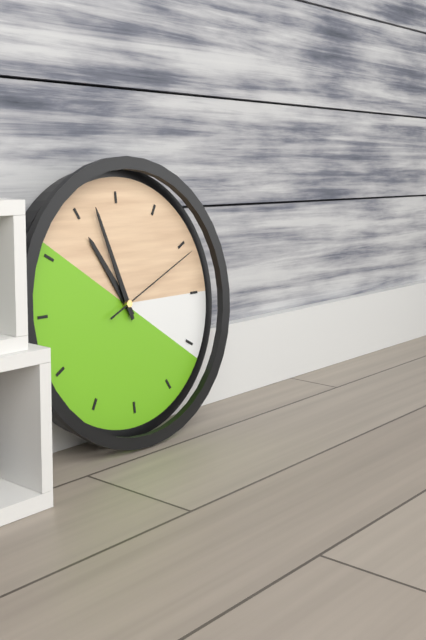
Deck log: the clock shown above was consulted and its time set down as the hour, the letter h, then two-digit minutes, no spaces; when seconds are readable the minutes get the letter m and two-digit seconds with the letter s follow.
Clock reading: 10h57m11s
